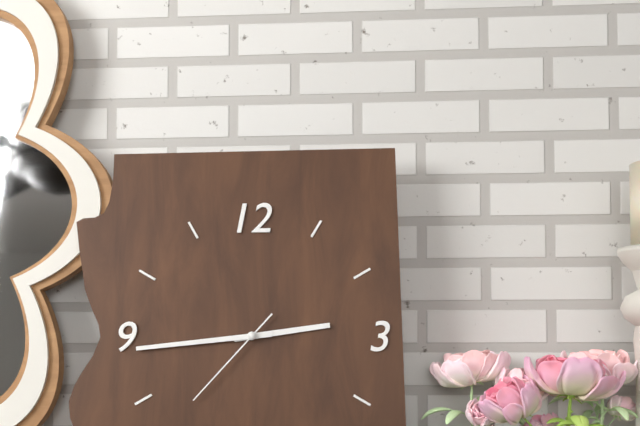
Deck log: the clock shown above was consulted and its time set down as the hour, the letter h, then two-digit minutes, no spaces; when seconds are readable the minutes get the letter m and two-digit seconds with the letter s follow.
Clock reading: 2h44m37s
